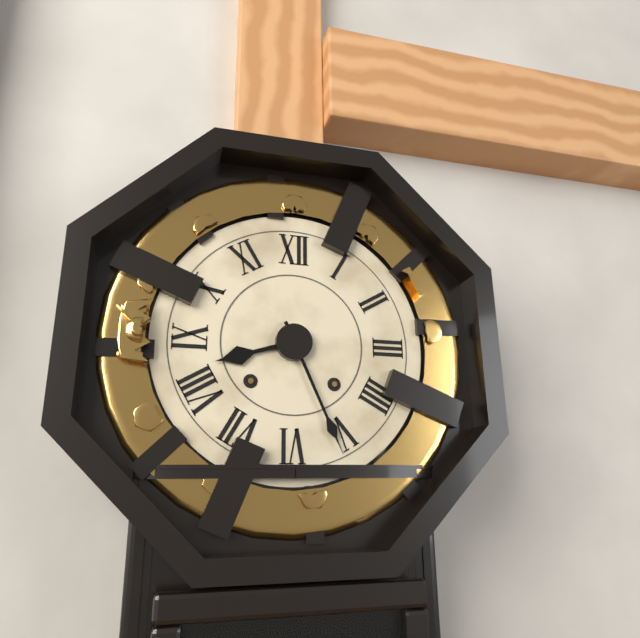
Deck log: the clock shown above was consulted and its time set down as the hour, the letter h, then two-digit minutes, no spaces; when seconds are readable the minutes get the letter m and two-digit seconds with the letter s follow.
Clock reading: 8h26
